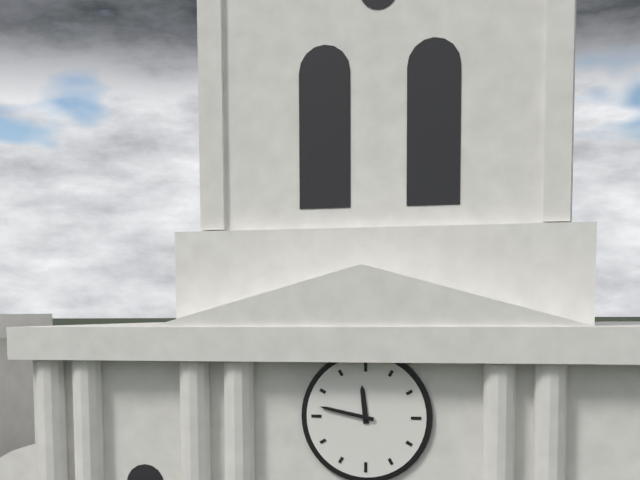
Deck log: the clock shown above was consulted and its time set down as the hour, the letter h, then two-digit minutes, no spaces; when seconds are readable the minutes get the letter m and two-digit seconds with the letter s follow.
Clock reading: 11h47
